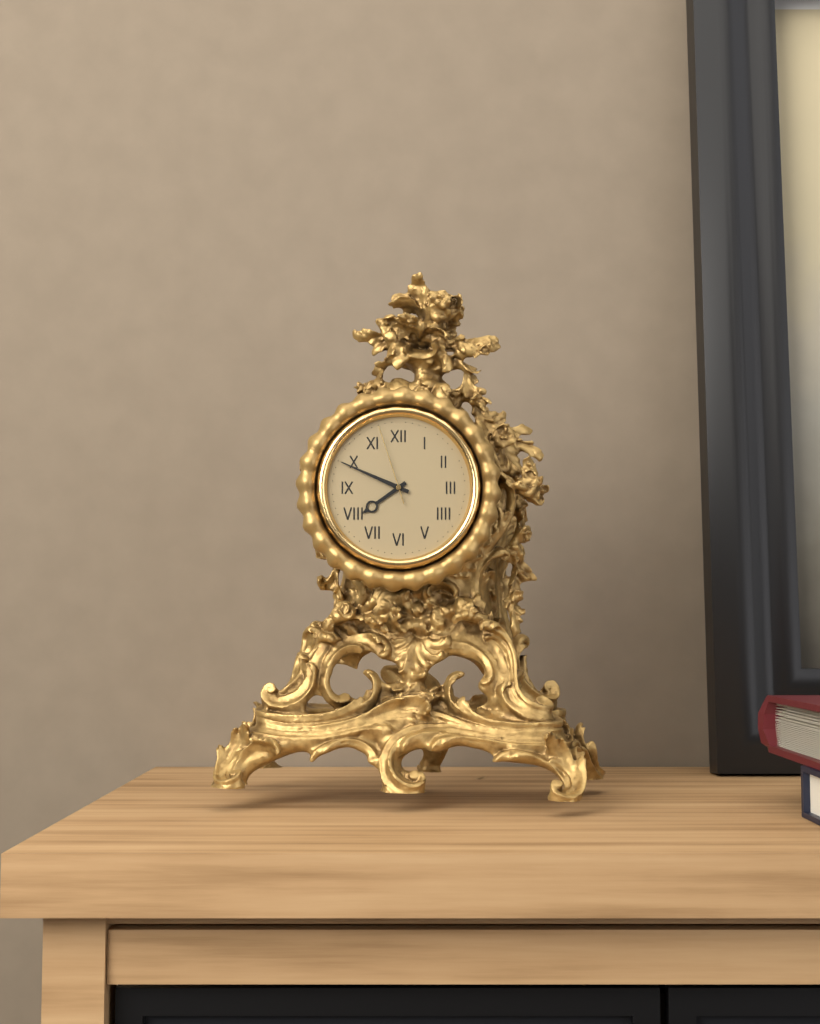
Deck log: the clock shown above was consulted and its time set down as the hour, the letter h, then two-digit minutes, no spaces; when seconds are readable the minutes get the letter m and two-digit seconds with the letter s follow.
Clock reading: 7h49m57s
